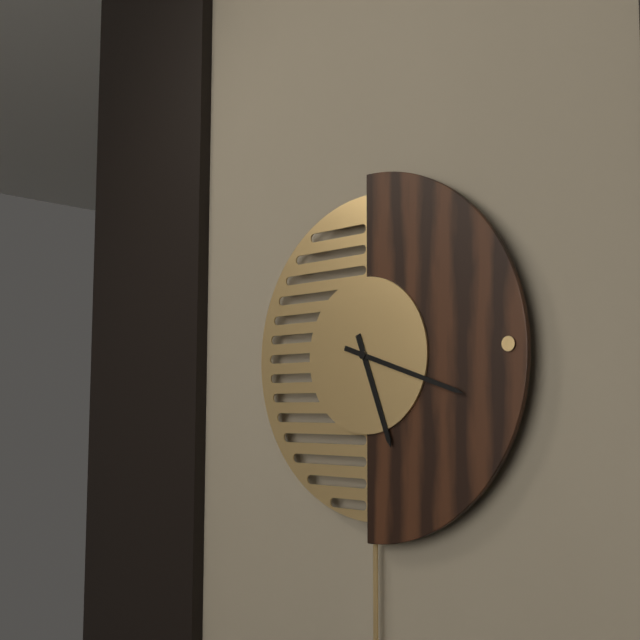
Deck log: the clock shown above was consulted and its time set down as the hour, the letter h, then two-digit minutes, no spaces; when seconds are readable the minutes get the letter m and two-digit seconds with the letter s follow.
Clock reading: 5h18
